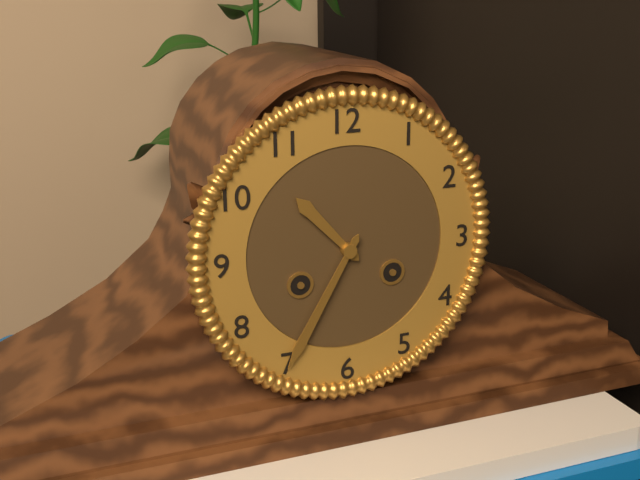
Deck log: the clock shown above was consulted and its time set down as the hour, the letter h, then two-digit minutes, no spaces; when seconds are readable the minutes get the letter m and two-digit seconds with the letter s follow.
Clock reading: 10h35
